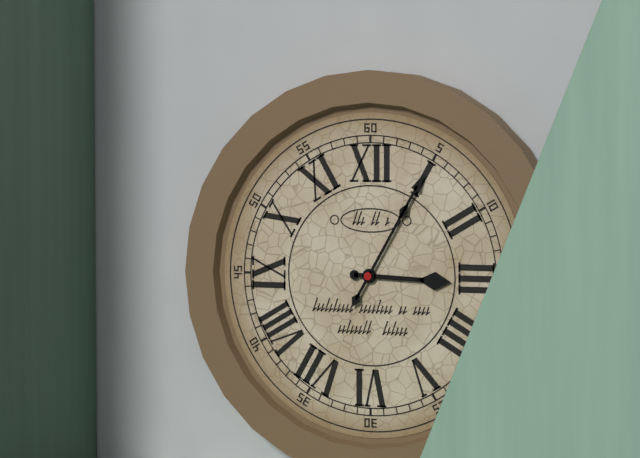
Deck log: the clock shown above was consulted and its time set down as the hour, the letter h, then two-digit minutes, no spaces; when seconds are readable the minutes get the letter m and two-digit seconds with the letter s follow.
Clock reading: 3h05
